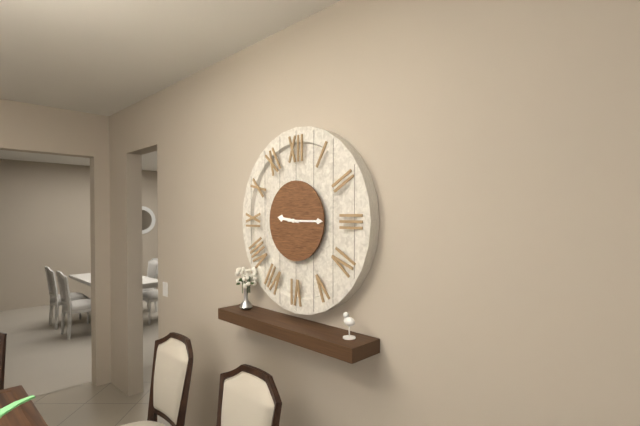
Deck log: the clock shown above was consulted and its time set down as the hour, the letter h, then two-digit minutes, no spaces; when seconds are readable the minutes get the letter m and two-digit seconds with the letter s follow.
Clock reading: 9h15
